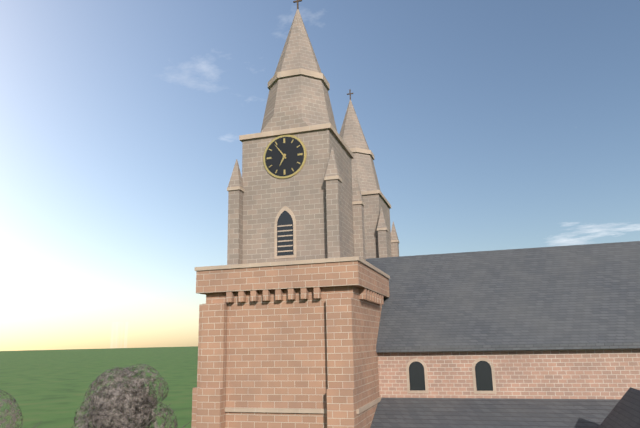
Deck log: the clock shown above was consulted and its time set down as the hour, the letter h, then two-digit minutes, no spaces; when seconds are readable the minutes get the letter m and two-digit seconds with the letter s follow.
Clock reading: 6h54
